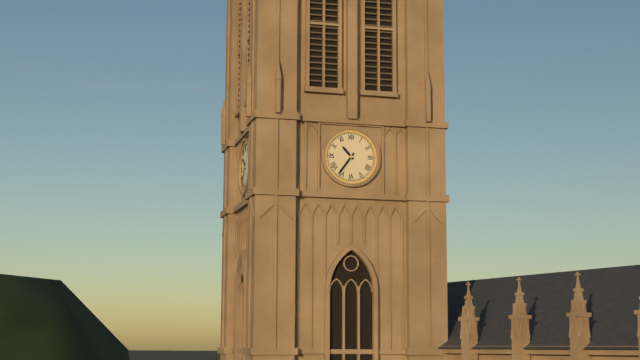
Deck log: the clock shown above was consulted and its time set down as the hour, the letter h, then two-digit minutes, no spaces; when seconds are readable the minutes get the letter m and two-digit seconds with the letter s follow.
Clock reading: 10h36
